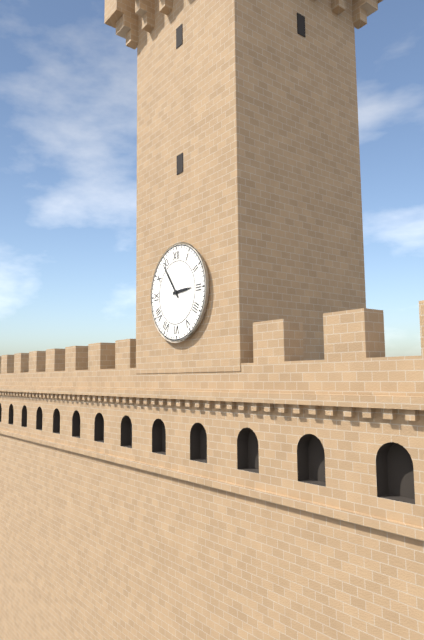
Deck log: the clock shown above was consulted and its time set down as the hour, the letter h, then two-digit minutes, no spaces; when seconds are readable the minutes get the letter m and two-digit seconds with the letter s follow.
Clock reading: 2h54
